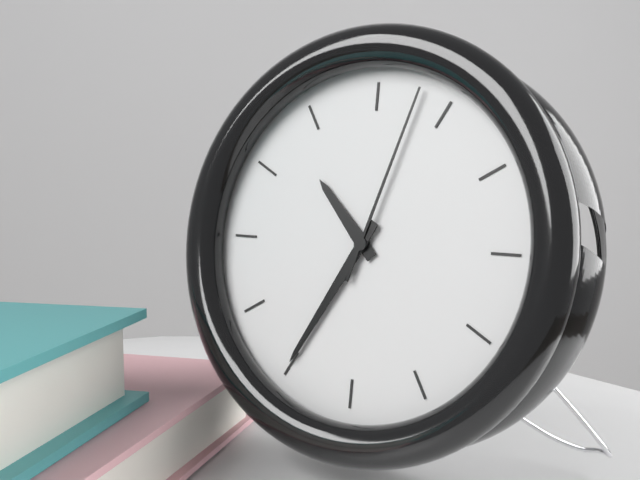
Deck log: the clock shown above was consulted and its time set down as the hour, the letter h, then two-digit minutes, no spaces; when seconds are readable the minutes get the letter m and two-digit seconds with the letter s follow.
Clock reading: 10h35m03s
